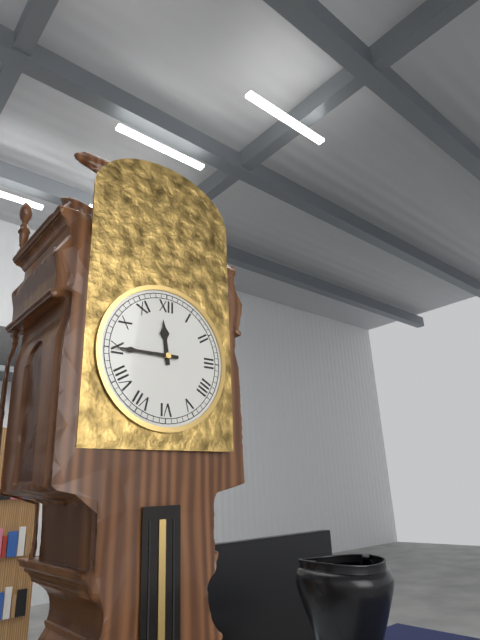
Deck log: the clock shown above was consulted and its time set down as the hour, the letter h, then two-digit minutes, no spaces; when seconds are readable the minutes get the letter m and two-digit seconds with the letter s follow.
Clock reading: 11h45
